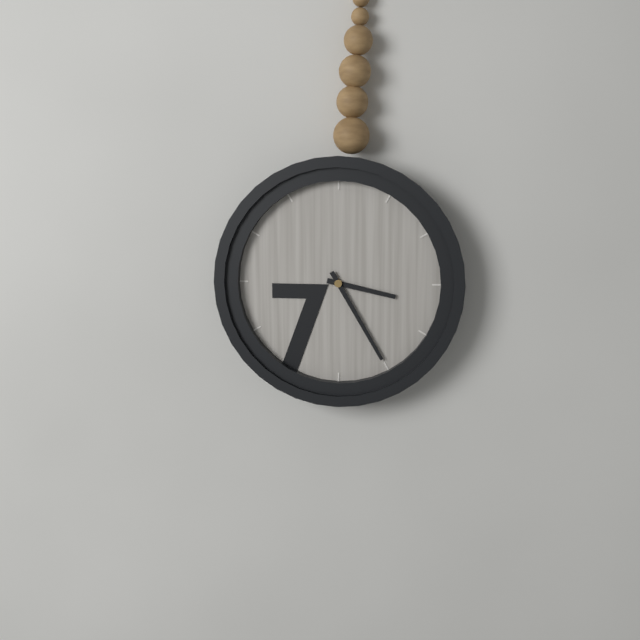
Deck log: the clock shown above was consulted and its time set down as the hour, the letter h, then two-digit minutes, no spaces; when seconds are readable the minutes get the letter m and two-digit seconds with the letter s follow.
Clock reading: 3h25
